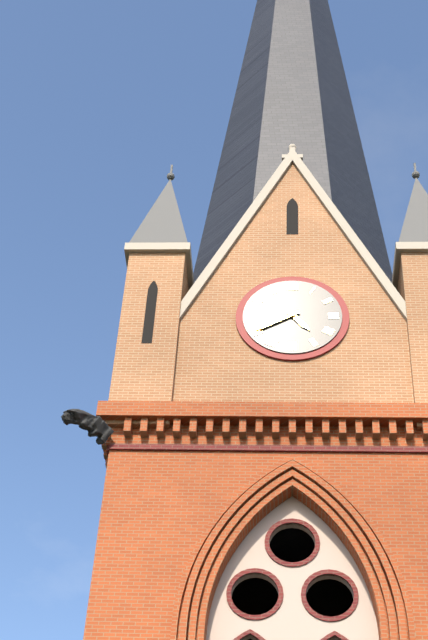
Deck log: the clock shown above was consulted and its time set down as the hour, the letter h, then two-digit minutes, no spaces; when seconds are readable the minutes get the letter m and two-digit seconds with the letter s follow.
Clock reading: 4h40
